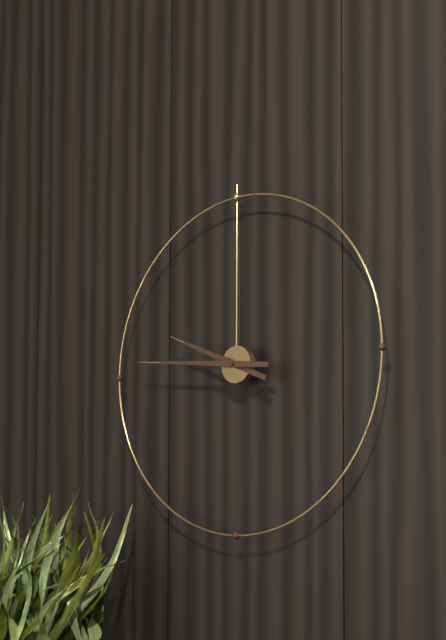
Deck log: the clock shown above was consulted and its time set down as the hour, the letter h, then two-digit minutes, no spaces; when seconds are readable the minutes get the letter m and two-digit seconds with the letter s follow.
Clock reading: 9h46
